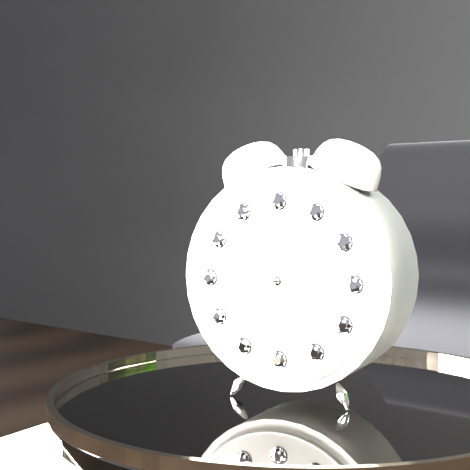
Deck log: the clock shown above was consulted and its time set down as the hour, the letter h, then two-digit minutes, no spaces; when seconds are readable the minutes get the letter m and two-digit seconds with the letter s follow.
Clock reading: 3h19m14s
